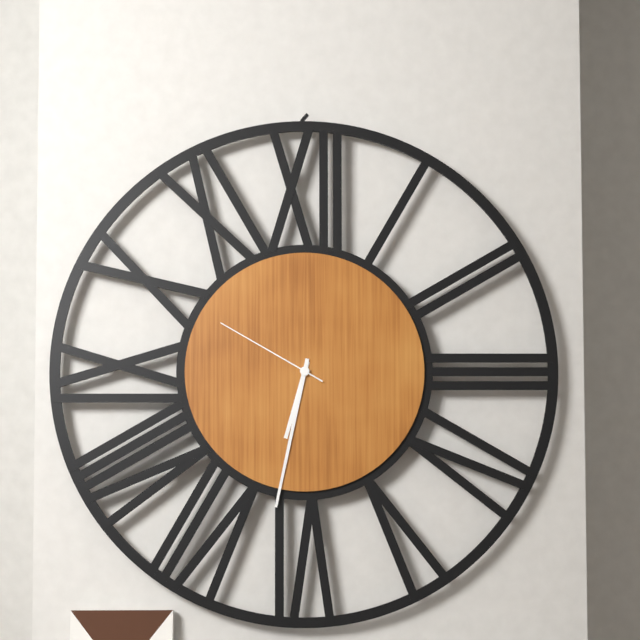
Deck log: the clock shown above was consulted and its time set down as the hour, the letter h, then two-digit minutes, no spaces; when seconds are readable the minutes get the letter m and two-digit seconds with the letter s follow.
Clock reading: 6h32m50s
